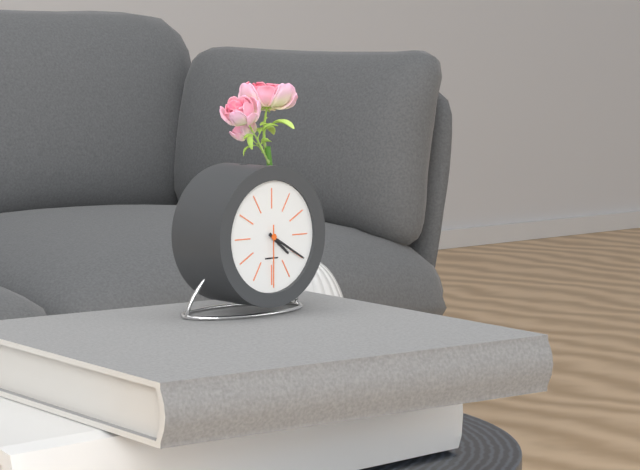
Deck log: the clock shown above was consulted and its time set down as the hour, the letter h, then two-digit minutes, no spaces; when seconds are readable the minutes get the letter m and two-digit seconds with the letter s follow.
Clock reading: 4h20m30s
